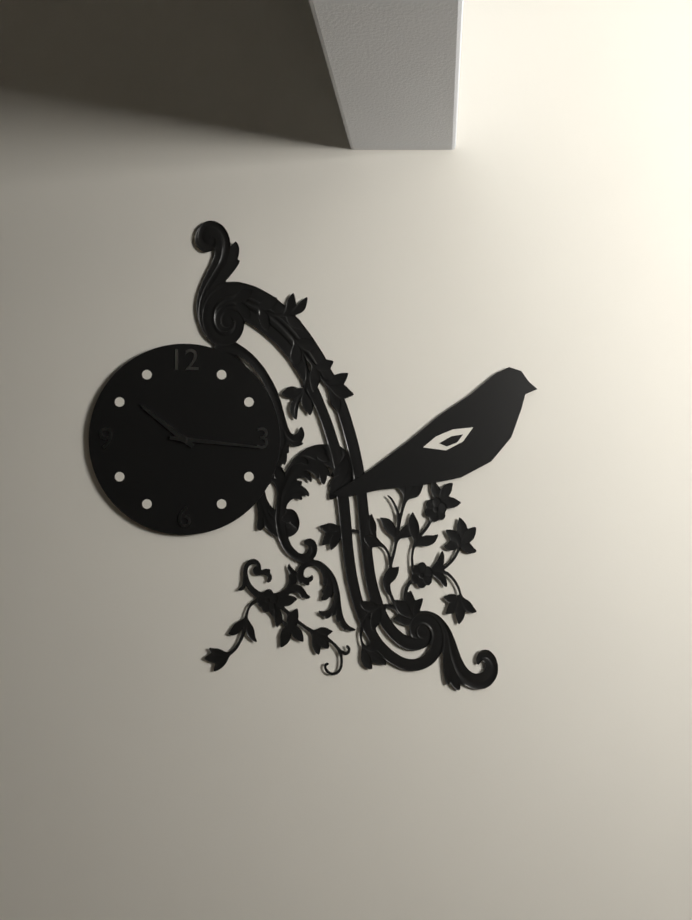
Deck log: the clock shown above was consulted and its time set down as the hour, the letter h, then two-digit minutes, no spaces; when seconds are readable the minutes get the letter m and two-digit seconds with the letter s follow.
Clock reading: 10h16
